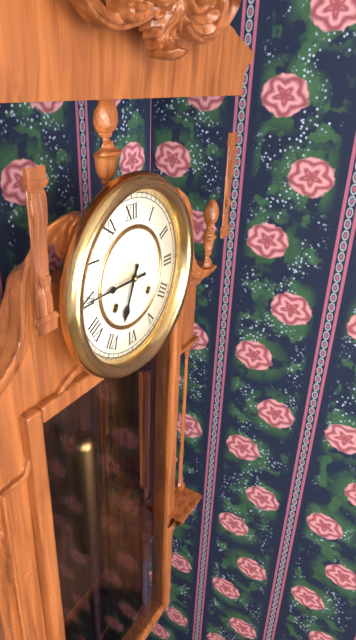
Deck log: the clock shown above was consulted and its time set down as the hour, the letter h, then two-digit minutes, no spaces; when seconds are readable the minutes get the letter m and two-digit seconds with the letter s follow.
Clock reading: 6h45
